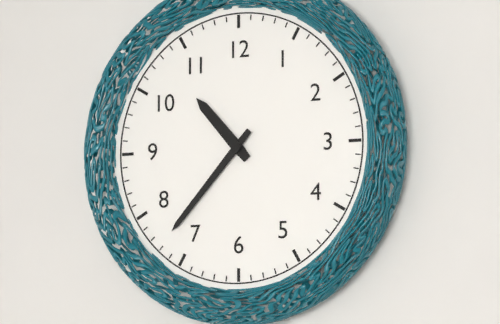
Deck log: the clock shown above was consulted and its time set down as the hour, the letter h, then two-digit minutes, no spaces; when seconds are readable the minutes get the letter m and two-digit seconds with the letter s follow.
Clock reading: 10h37
